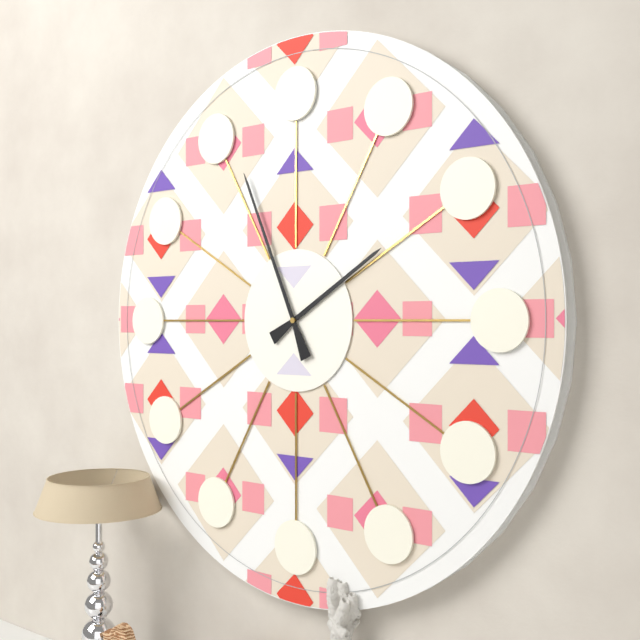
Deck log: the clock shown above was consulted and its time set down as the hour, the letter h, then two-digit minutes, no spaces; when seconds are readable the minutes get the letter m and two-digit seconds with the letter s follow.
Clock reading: 1h56
